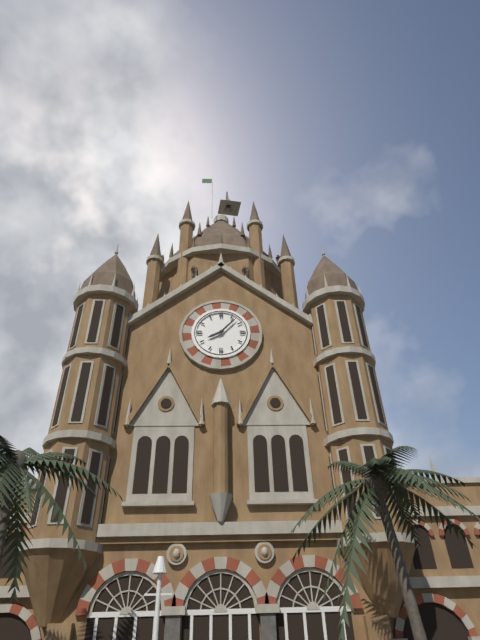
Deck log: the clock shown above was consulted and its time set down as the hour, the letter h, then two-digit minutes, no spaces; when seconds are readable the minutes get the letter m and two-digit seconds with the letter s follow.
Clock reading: 8h07
